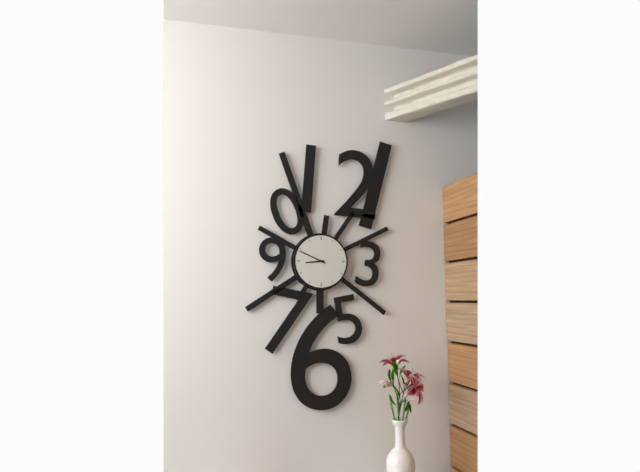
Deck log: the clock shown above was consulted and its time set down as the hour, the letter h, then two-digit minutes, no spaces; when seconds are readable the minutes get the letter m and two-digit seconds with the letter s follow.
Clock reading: 8h49
